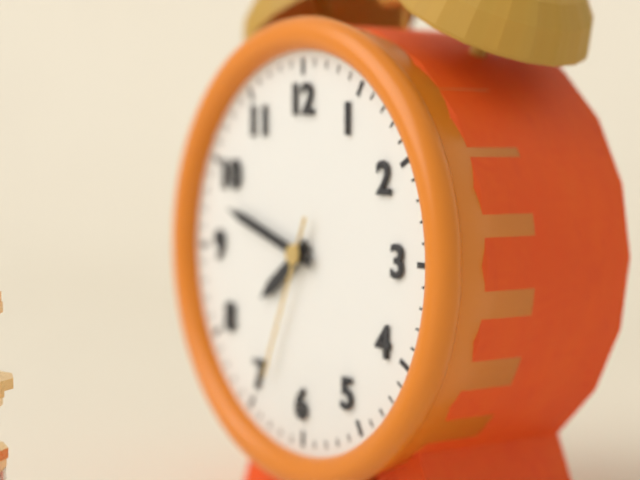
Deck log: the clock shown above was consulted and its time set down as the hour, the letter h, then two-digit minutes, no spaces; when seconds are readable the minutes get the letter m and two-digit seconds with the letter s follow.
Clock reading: 7h48m34s
